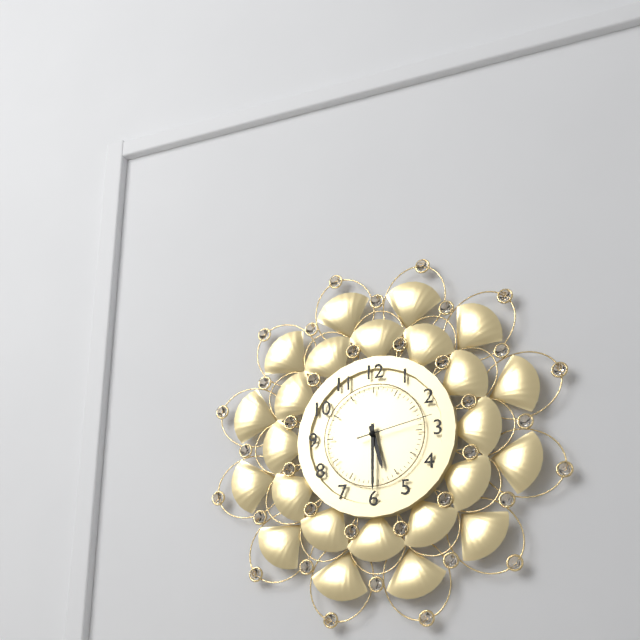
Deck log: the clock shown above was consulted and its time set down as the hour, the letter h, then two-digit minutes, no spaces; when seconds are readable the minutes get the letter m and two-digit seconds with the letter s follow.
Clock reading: 5h30m13s
